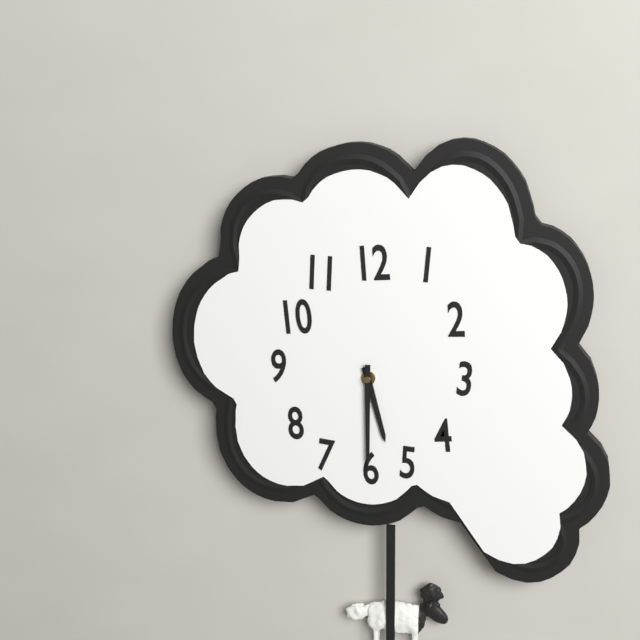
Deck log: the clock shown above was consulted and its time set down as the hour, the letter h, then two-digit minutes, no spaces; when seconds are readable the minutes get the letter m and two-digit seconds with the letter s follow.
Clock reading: 5h30
